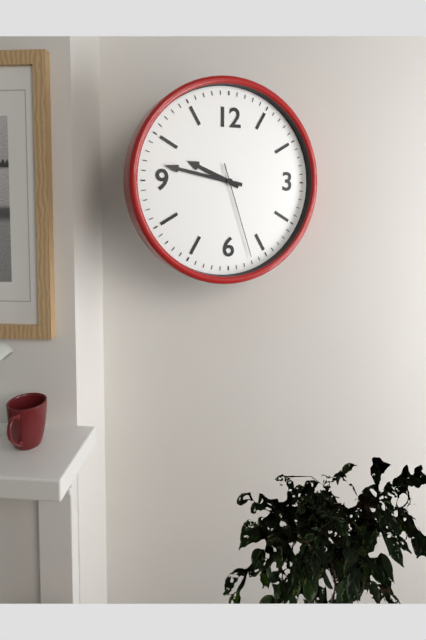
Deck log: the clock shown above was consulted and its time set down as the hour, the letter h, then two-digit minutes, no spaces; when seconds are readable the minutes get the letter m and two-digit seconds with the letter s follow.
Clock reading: 9h47m27s
